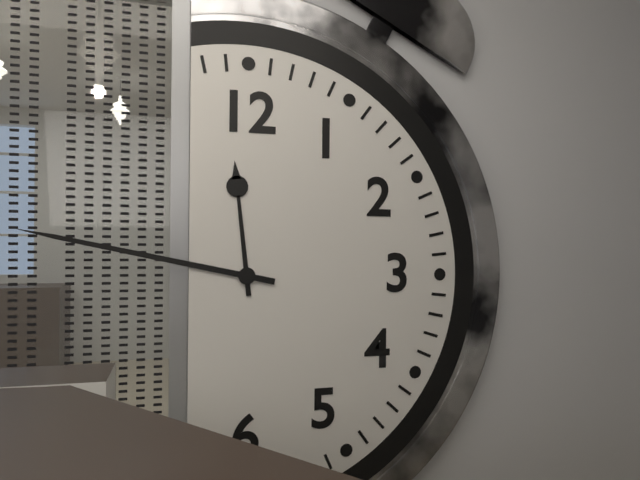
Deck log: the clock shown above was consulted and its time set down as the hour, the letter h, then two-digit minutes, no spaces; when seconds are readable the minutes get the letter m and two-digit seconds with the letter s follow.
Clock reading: 11h47
